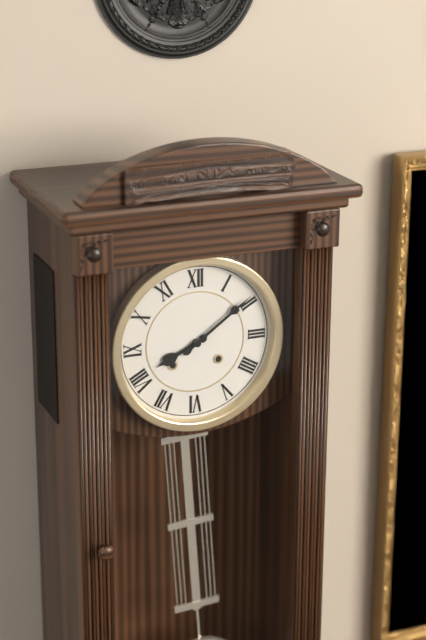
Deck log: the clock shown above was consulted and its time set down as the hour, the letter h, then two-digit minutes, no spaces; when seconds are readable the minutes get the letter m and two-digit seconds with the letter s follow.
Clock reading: 8h09
